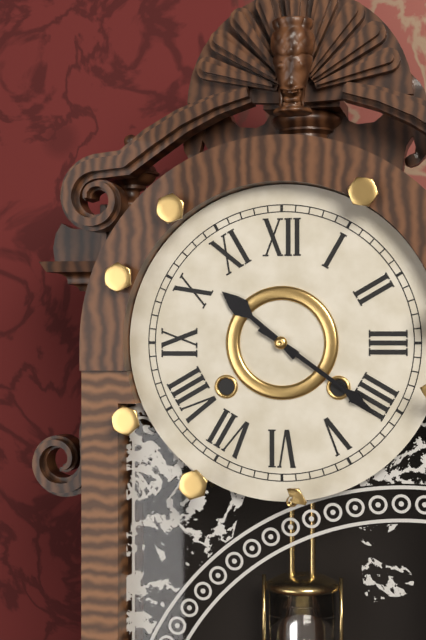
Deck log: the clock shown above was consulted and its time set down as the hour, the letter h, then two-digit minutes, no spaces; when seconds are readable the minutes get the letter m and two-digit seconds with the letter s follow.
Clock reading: 10h21
